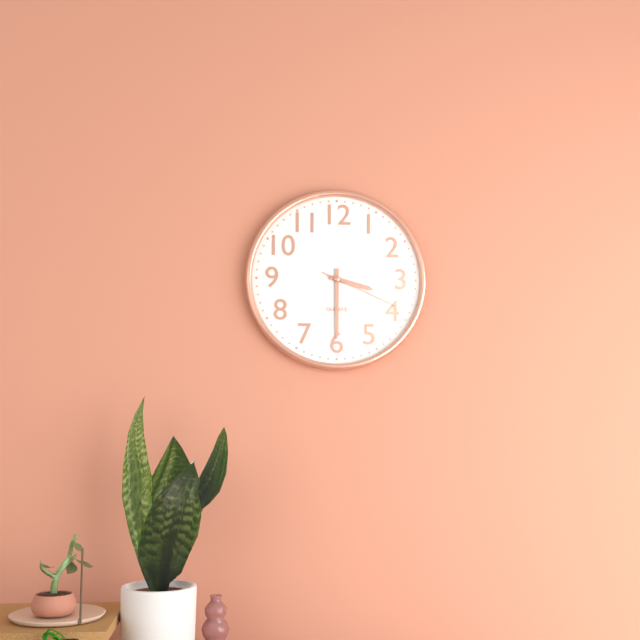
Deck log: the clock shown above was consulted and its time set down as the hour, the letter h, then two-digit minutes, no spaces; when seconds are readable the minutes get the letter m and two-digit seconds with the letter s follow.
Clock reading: 3h30m19s
